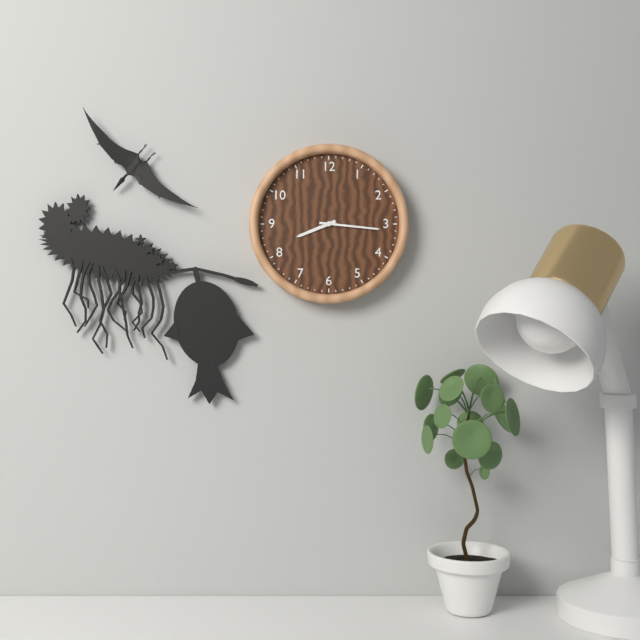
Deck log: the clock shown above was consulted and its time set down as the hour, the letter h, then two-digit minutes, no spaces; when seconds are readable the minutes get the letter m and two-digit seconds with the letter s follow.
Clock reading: 8h16
